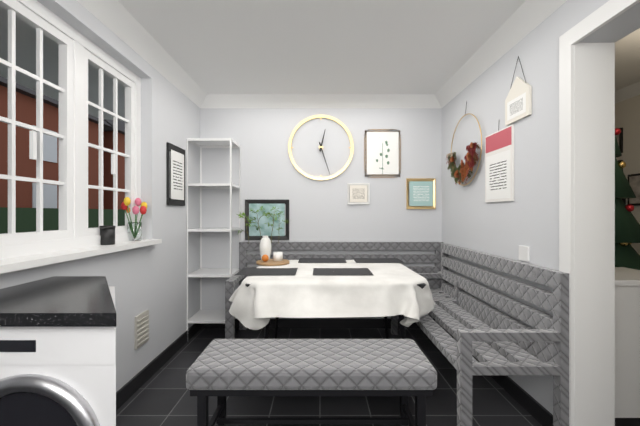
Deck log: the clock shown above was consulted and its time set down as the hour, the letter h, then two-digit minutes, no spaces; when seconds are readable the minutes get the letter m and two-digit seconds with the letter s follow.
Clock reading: 12h27
